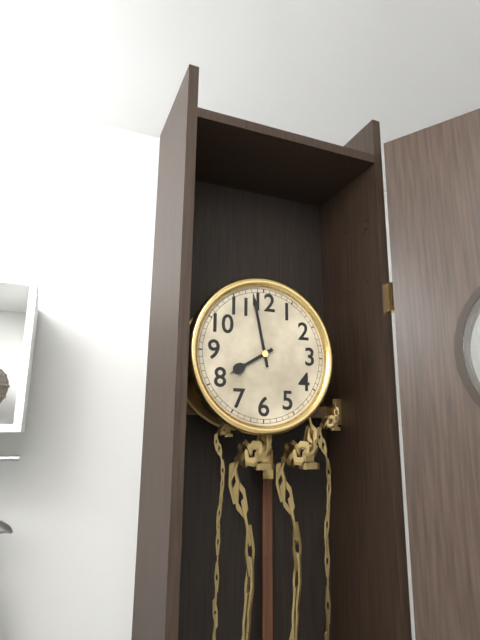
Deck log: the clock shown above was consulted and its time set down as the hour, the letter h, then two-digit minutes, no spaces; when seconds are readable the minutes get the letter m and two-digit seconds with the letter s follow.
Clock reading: 7h58
